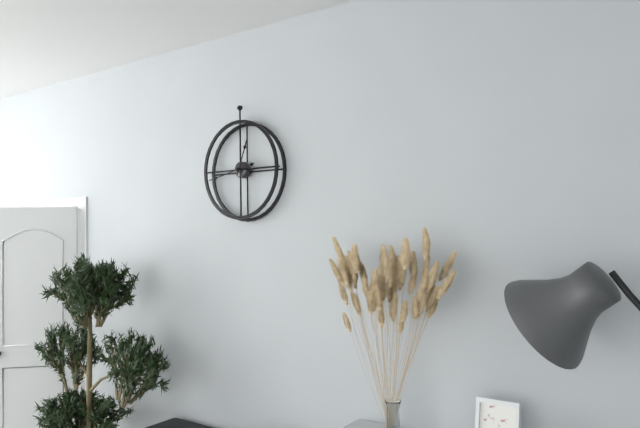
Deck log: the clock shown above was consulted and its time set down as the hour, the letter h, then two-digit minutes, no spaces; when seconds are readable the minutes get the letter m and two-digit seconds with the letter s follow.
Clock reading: 12h43
